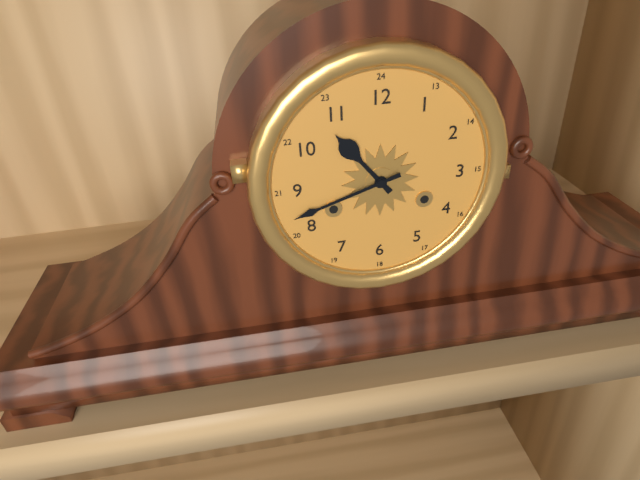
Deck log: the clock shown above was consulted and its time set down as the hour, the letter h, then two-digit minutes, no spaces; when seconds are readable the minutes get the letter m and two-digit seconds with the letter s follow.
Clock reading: 10h42
